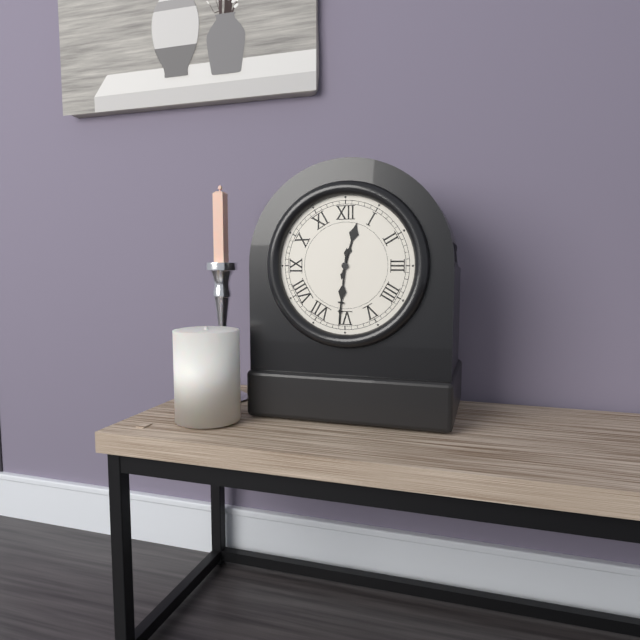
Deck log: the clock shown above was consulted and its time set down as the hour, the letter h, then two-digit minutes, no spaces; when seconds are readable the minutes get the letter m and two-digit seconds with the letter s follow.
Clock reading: 12h31
